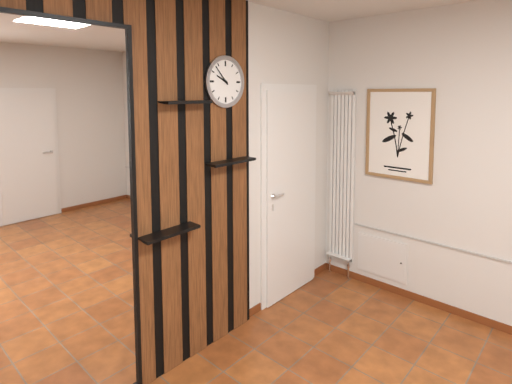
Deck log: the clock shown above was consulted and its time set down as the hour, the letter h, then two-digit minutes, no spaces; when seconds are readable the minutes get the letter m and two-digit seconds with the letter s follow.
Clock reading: 9h53
